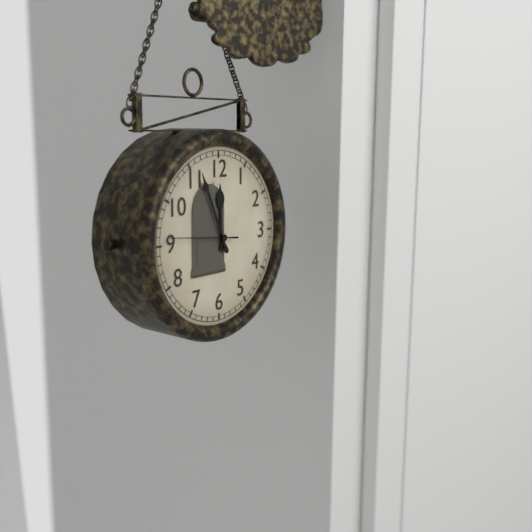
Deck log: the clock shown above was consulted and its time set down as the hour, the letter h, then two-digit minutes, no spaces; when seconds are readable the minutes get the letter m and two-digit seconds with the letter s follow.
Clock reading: 11h56m46s
